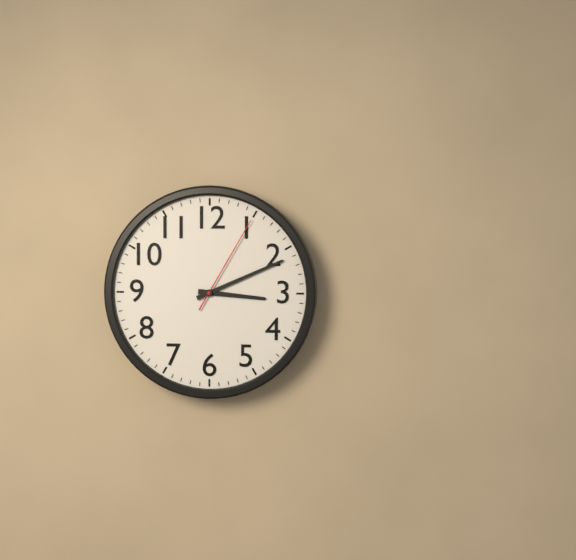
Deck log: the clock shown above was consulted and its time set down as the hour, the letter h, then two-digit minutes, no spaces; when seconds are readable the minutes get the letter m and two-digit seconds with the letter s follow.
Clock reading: 3h11m05s
